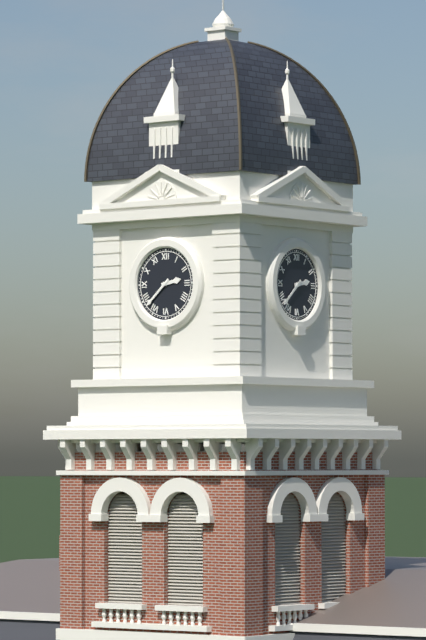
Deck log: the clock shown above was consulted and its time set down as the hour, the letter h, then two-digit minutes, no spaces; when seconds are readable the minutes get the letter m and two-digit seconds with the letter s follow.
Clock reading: 2h38
